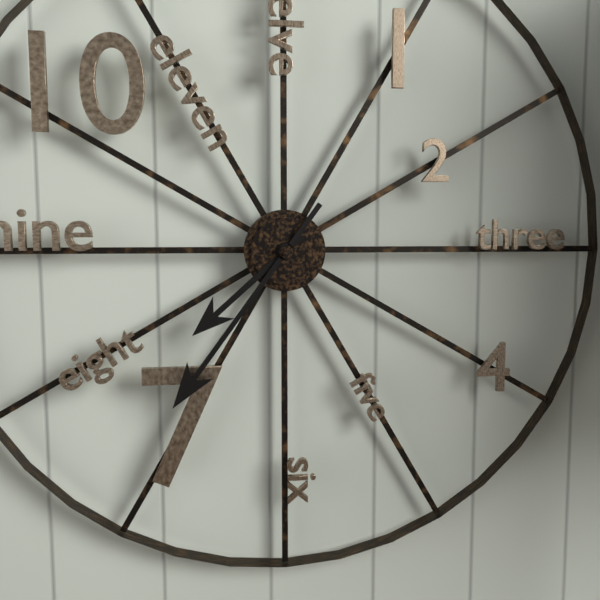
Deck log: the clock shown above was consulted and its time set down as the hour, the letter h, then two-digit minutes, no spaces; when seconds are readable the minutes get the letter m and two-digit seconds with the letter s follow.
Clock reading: 7h36
